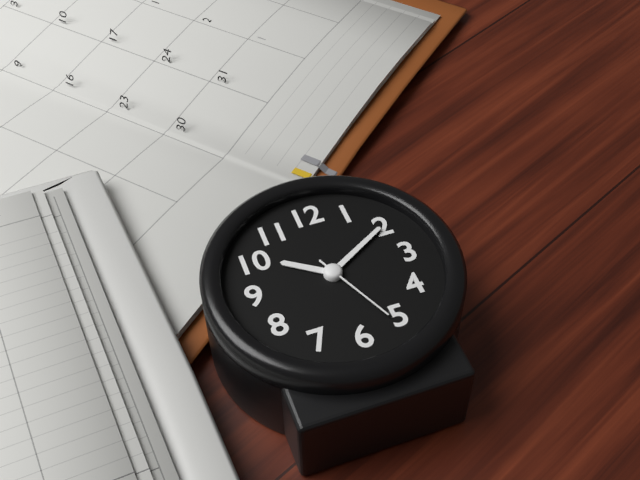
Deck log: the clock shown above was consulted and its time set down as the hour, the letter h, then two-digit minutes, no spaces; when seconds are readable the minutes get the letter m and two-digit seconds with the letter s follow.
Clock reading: 10h10m26s
